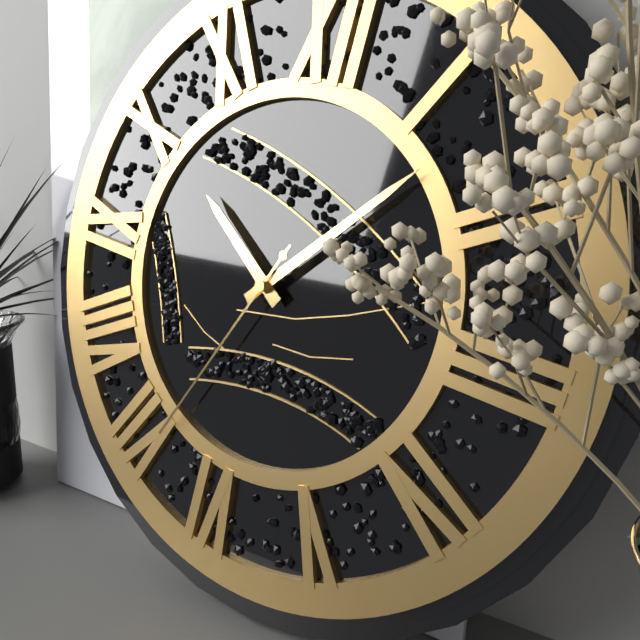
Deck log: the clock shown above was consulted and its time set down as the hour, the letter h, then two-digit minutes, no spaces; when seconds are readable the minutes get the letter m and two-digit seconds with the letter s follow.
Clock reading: 10h07m34s
